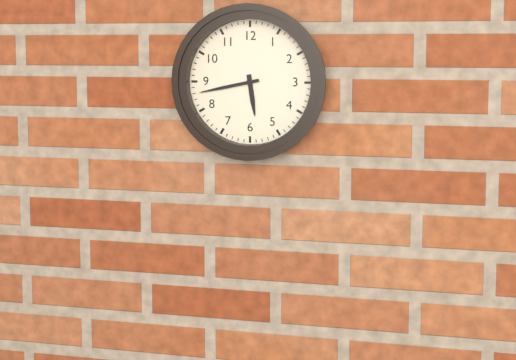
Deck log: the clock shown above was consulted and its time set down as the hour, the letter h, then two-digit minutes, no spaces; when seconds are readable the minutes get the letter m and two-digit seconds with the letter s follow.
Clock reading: 5h43
